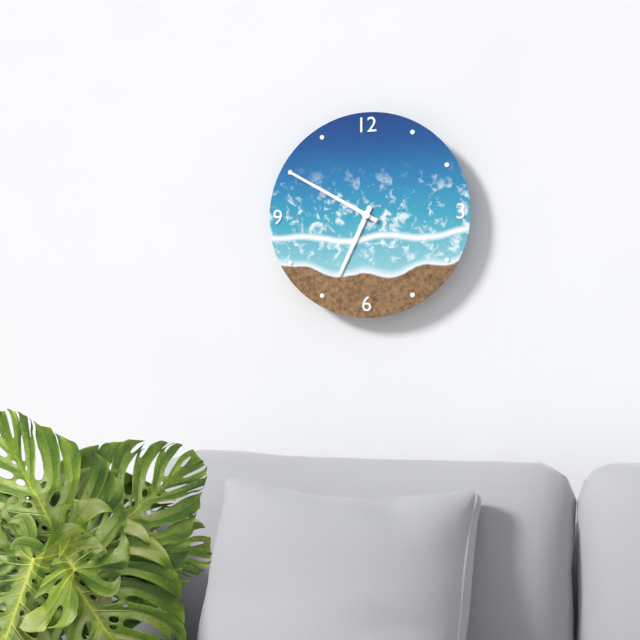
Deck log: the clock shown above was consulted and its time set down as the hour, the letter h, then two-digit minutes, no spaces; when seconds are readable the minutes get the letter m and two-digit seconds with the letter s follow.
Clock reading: 6h50
